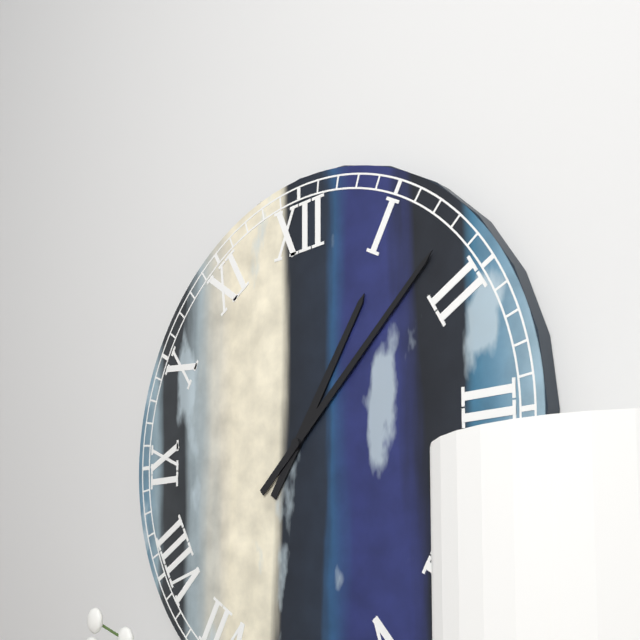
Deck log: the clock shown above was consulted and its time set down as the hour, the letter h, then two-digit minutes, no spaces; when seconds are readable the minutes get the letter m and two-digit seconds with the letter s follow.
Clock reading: 1h08
